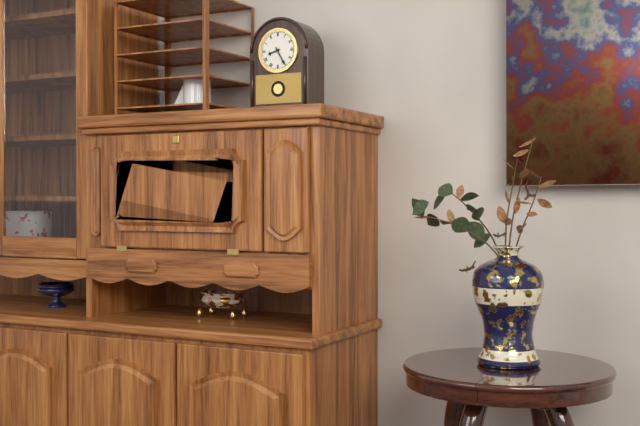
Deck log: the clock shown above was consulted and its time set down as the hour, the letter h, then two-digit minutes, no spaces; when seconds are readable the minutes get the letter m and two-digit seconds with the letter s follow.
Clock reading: 8h25
